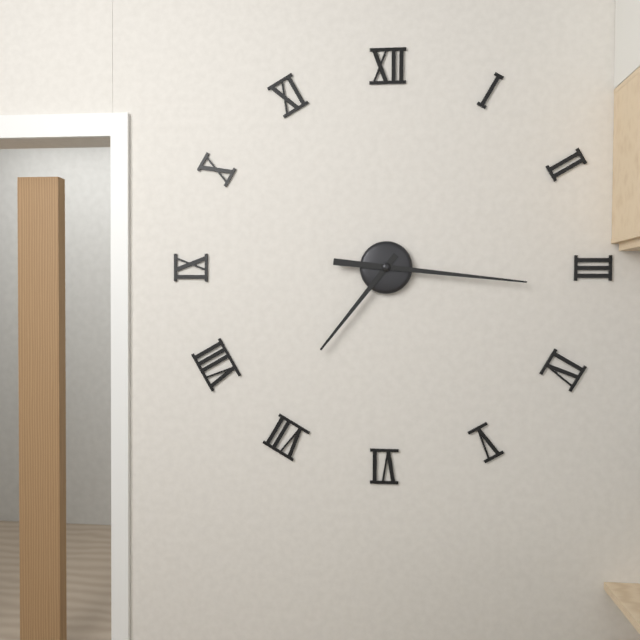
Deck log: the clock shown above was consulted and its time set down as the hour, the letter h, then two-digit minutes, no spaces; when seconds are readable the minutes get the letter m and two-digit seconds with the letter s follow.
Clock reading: 7h16
